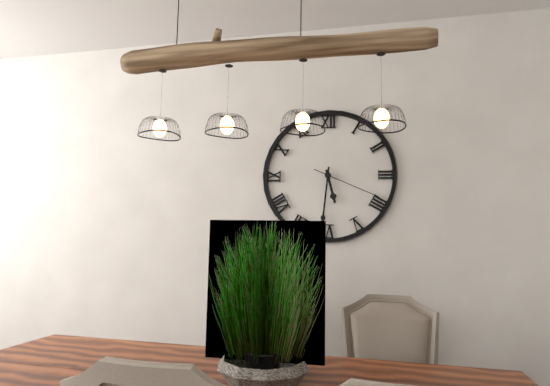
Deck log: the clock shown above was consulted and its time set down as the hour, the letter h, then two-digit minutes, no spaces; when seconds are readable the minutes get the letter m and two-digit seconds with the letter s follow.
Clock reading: 5h31m19s
